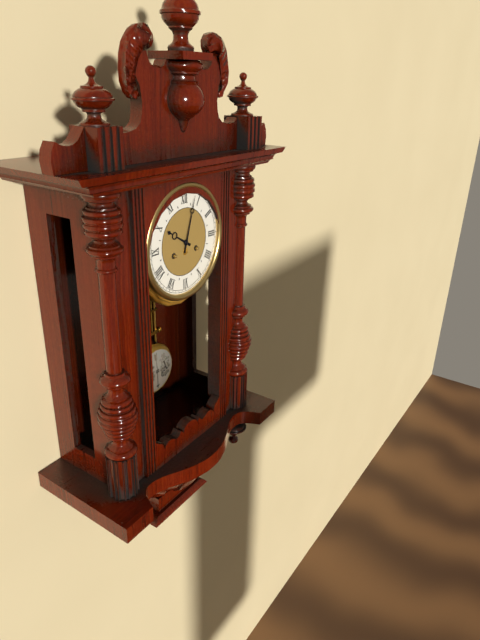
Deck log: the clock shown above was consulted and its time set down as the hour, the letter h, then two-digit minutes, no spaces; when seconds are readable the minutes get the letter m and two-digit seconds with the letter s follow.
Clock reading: 10h03
